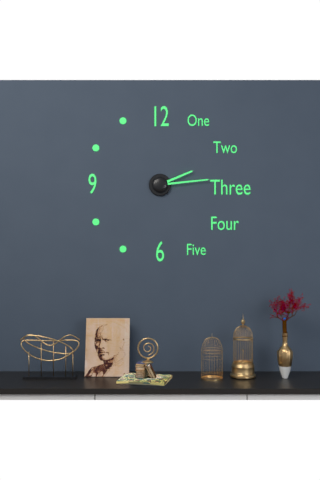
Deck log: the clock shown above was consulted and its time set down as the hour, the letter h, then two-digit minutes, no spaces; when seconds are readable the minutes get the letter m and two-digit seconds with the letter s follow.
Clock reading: 2h14
